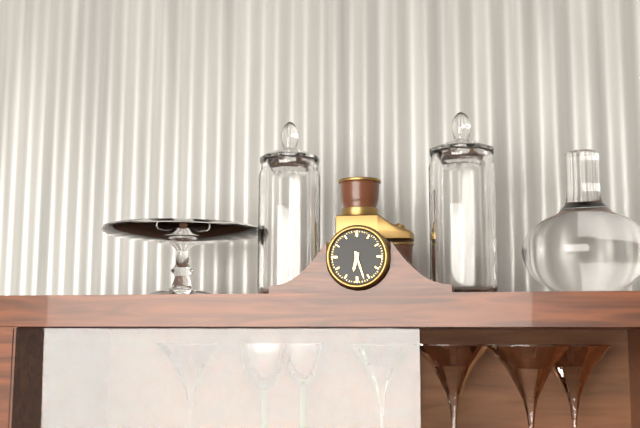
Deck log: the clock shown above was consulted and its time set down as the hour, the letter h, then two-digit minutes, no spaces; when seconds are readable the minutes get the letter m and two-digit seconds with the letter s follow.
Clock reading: 6h27
